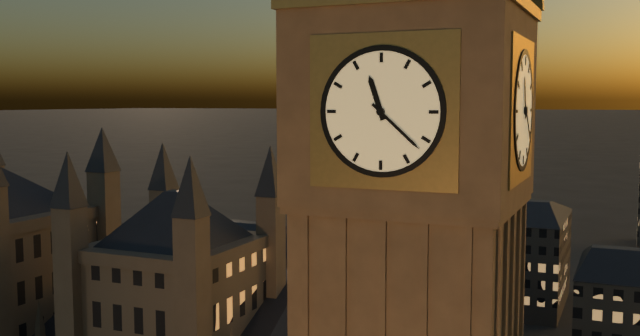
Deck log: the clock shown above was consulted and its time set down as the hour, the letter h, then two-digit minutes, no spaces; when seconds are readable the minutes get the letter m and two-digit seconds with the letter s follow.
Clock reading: 11h22
